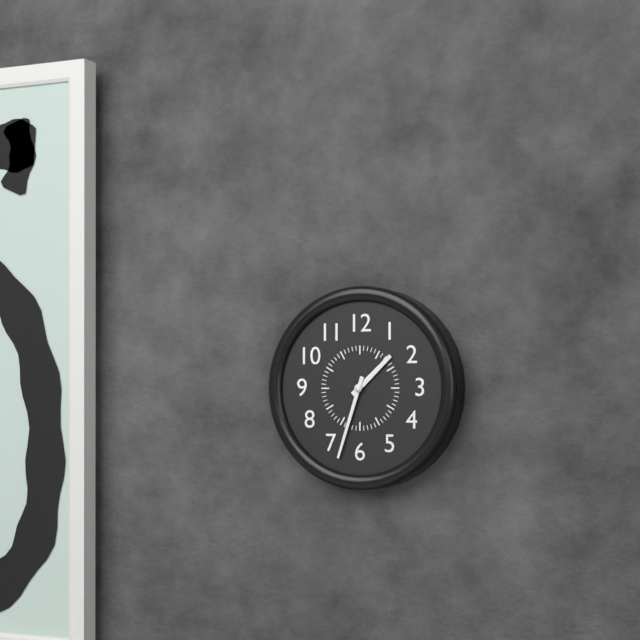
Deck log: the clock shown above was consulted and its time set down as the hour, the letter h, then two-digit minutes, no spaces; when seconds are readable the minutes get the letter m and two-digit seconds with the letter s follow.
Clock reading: 1h33
